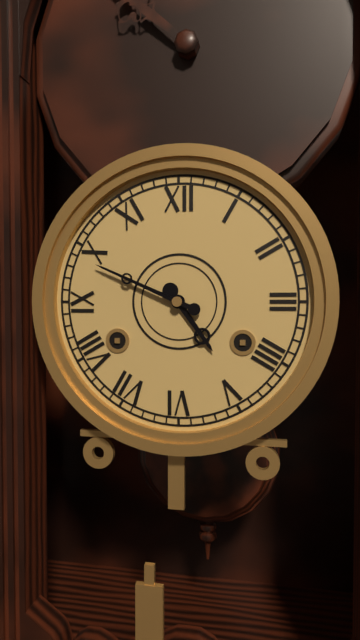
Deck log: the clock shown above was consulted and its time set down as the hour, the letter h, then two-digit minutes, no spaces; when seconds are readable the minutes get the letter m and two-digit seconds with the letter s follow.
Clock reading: 4h49
